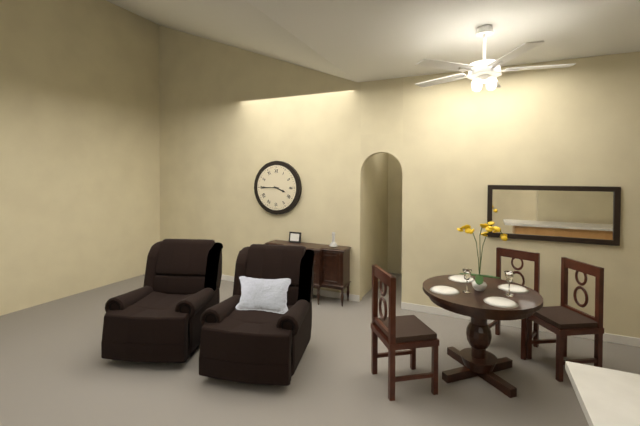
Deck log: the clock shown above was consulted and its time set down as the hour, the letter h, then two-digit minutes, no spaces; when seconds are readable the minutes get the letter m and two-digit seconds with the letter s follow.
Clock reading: 3h45
